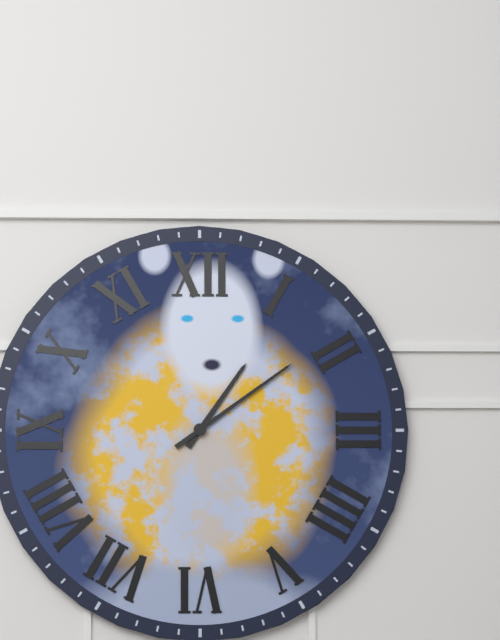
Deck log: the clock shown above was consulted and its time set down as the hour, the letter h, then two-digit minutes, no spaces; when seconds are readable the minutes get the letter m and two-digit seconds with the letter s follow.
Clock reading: 1h09
